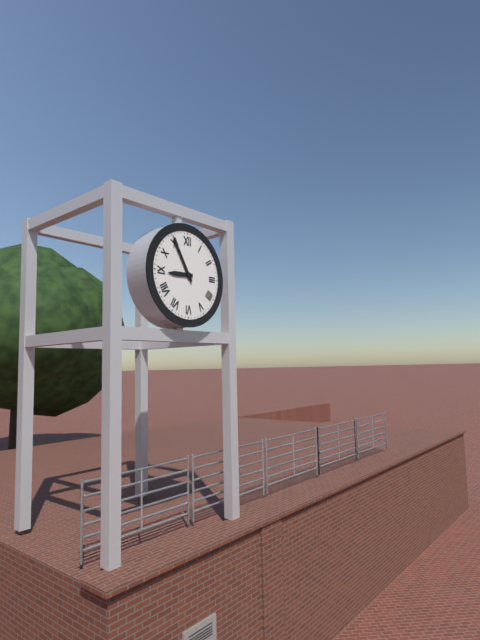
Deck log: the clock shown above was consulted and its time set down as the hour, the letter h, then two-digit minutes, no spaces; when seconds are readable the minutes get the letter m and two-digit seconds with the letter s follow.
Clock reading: 8h55
